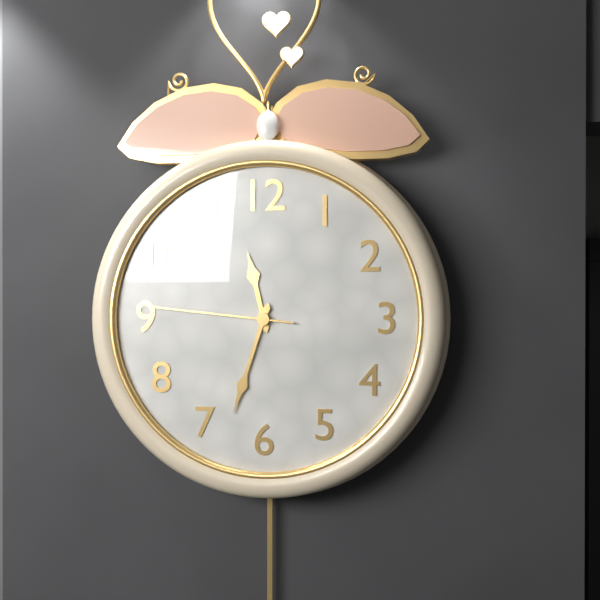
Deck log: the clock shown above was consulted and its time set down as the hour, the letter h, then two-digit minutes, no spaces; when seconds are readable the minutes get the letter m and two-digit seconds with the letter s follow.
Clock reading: 11h33m46s
